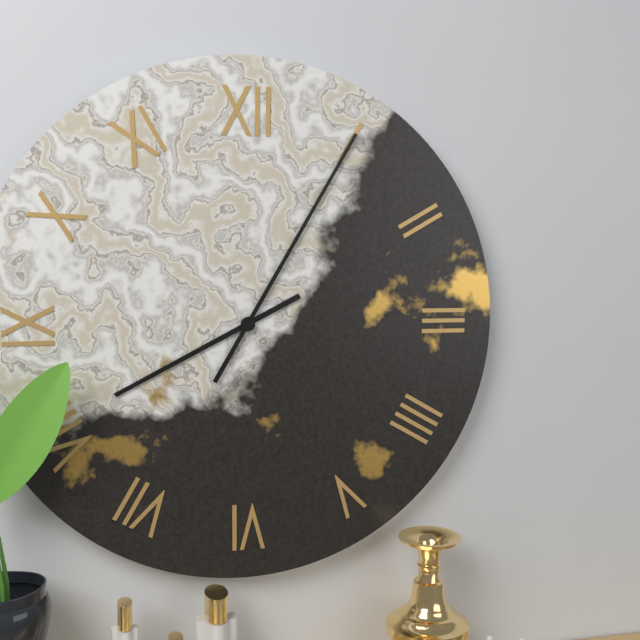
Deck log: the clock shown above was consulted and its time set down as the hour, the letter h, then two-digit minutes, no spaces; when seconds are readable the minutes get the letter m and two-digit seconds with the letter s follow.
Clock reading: 8h05
